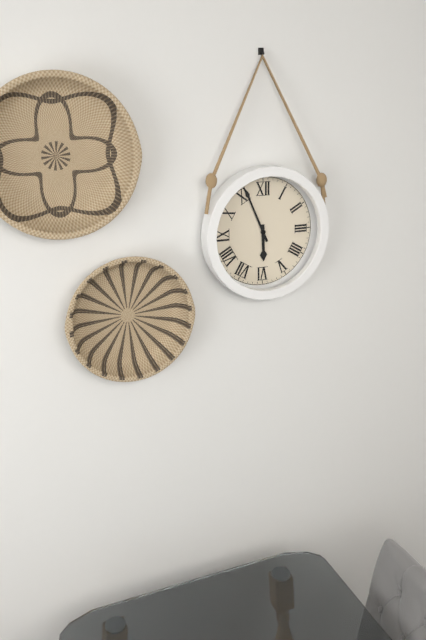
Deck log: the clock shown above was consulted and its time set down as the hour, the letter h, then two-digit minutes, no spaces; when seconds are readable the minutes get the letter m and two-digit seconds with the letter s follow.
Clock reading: 5h56
